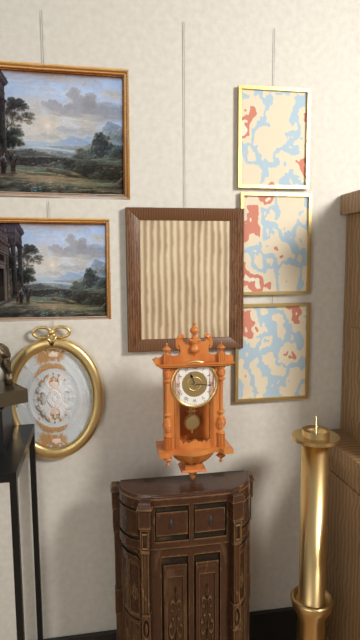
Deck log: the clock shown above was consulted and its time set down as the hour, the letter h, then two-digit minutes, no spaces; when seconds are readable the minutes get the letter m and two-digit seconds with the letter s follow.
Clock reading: 11h16
